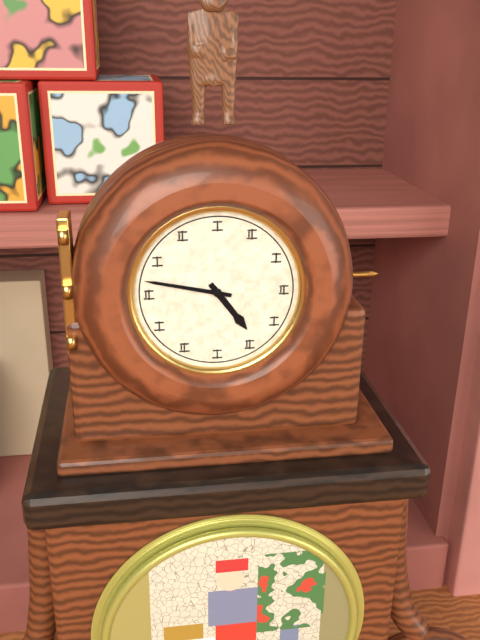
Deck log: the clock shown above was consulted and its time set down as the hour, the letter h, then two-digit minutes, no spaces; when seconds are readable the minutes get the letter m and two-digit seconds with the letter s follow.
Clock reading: 4h47
